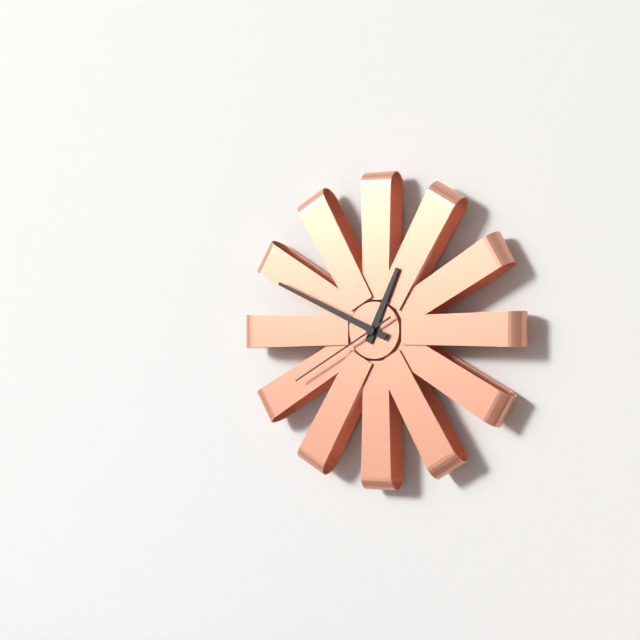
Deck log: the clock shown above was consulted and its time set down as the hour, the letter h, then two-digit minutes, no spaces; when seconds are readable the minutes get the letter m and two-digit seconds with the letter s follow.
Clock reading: 12h49m40s
